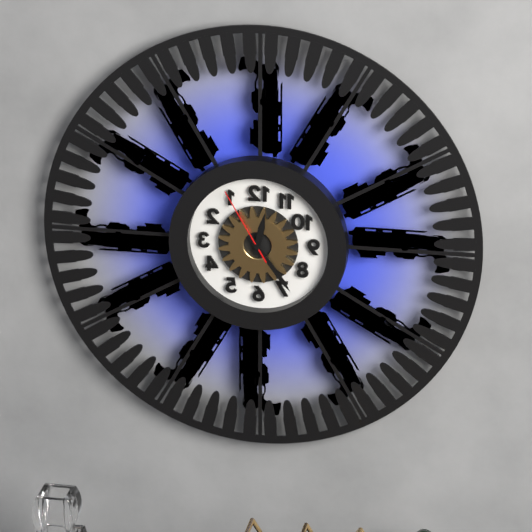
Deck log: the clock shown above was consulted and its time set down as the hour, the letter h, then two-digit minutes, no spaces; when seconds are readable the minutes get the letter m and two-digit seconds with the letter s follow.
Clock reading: 12h24m55s
